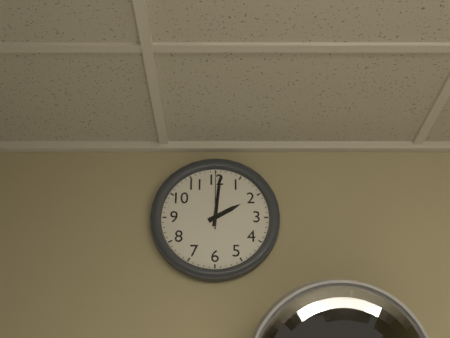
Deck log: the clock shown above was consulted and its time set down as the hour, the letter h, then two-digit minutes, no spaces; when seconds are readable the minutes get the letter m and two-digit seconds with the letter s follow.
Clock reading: 2h01m00s
